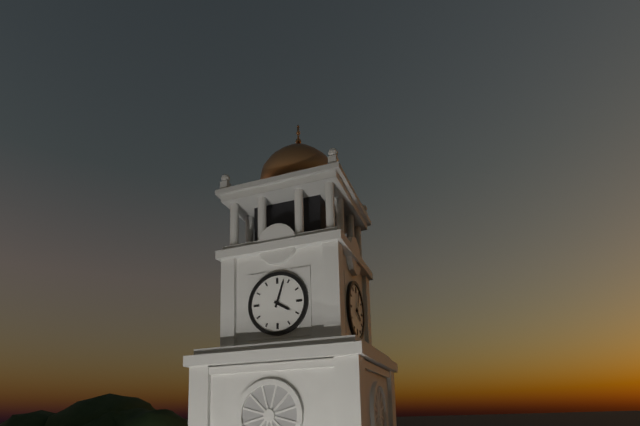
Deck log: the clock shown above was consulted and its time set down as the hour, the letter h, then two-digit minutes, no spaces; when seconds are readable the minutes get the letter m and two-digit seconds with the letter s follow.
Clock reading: 4h03
